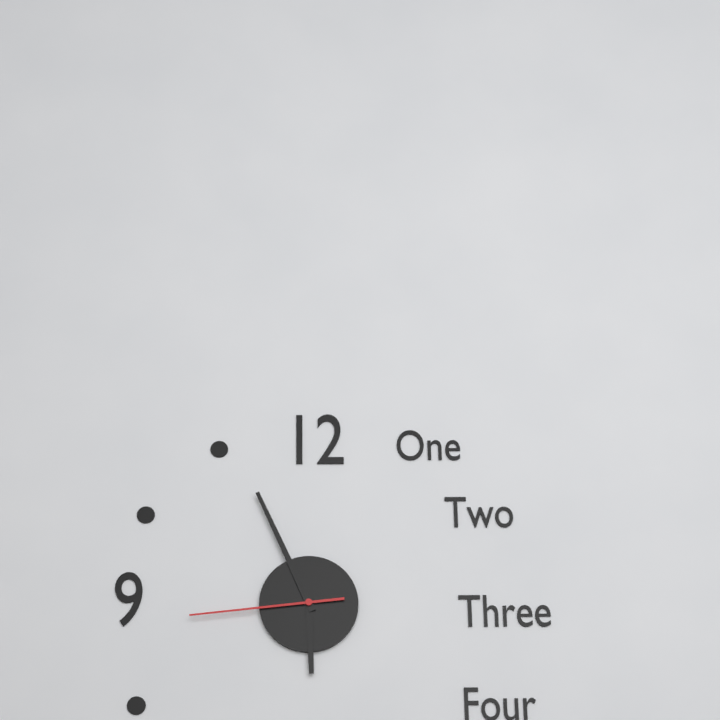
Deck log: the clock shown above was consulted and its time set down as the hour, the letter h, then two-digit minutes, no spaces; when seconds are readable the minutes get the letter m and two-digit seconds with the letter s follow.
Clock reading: 5h56m44s
